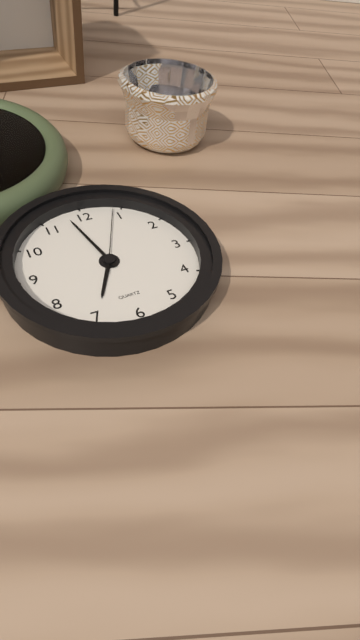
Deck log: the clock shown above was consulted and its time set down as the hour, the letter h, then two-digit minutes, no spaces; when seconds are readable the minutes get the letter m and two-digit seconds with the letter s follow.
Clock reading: 6h58m04s
